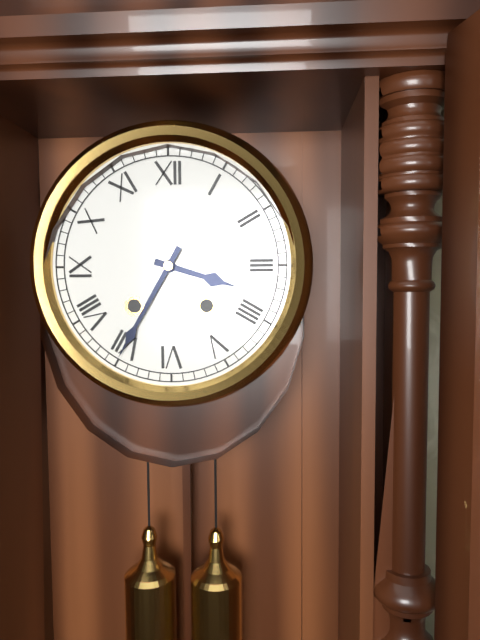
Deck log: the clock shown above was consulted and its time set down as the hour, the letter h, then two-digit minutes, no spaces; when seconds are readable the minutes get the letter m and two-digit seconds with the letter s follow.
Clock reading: 3h35
